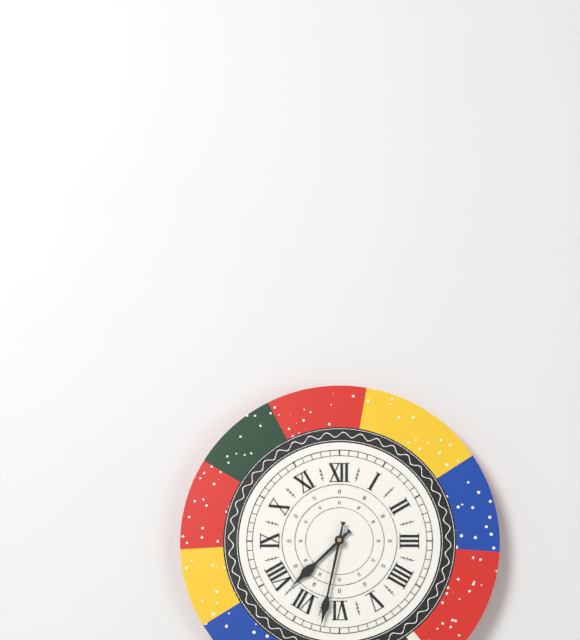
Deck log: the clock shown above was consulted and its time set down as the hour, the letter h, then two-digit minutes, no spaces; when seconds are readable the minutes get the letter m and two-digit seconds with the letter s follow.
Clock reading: 7h32
